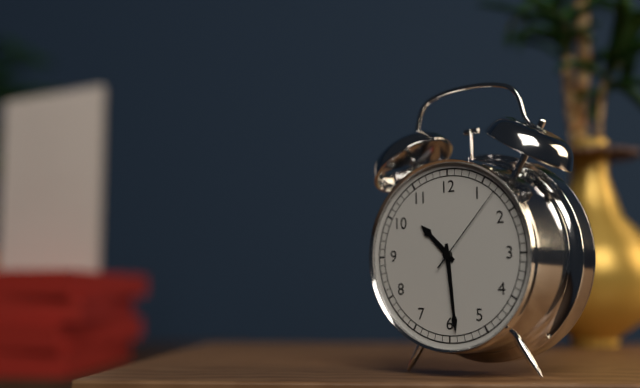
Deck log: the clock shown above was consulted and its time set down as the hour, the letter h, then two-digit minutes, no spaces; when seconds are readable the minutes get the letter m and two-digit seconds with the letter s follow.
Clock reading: 10h29m07s
